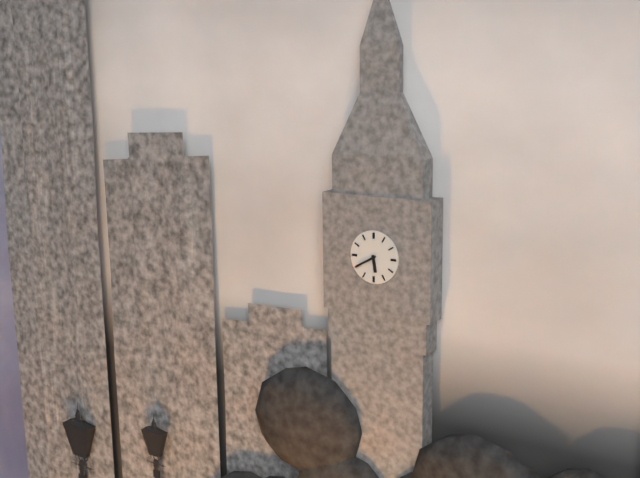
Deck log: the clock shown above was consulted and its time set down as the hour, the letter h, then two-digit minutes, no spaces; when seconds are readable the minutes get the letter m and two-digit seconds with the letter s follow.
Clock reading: 5h40
